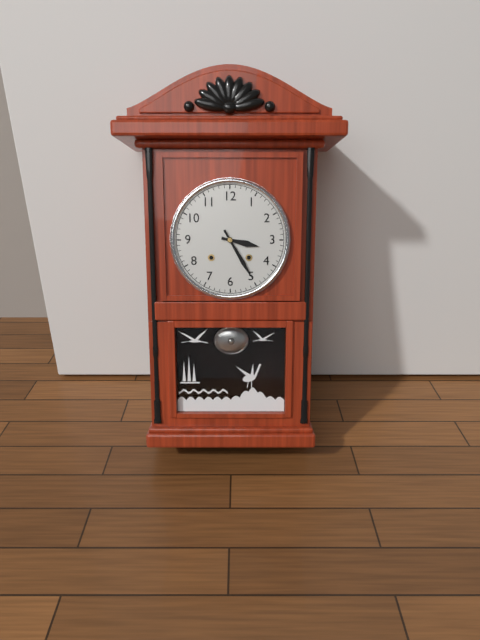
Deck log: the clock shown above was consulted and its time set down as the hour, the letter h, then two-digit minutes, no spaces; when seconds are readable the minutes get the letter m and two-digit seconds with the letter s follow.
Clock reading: 3h25
